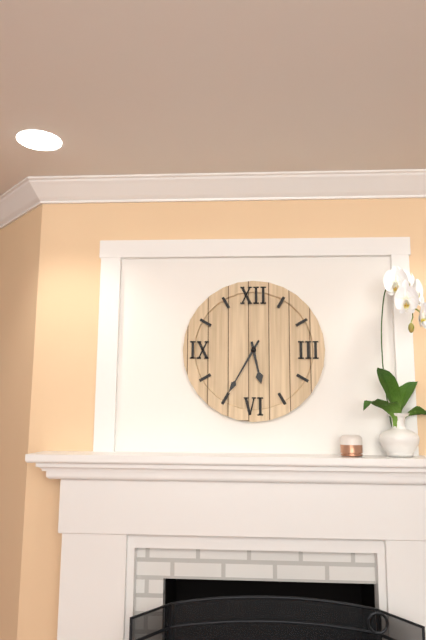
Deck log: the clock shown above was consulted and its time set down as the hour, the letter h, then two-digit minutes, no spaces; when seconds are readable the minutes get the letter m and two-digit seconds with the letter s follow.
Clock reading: 5h35
